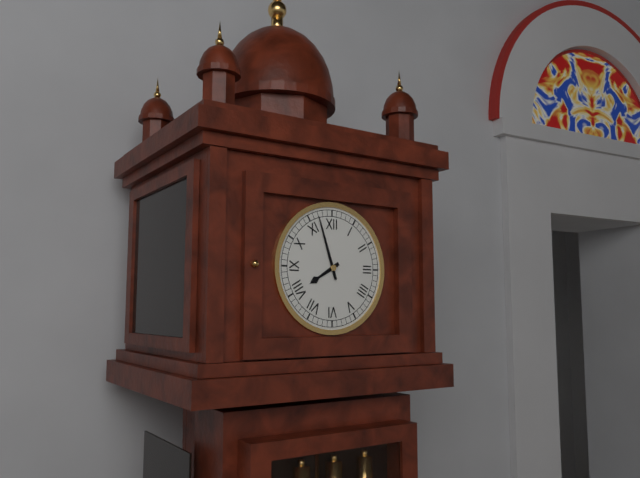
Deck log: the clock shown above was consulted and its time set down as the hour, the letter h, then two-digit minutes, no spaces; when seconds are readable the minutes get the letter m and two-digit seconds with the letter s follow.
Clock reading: 7h57
